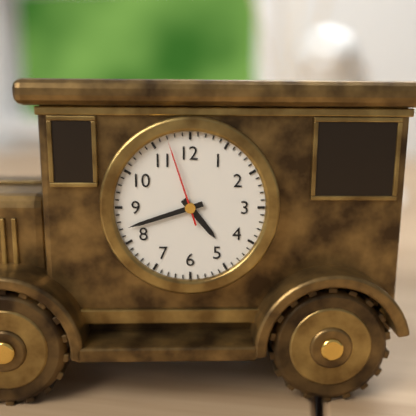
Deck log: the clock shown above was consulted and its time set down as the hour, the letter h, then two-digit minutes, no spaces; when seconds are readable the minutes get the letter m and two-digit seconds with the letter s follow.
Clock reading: 4h42m57s
